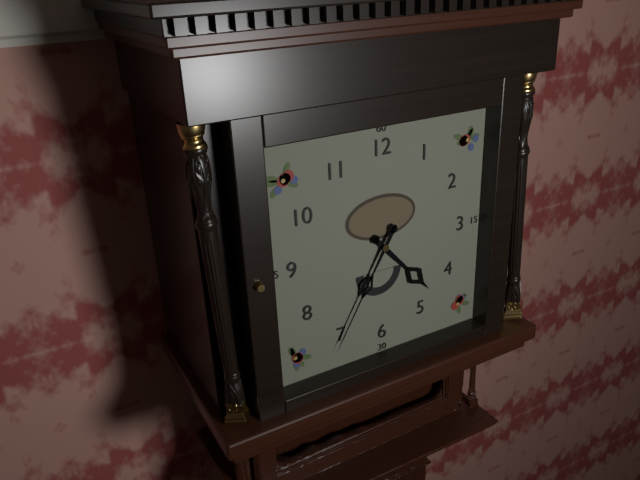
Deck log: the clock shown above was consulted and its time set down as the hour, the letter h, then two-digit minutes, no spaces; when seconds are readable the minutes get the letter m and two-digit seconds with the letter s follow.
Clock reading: 4h35
